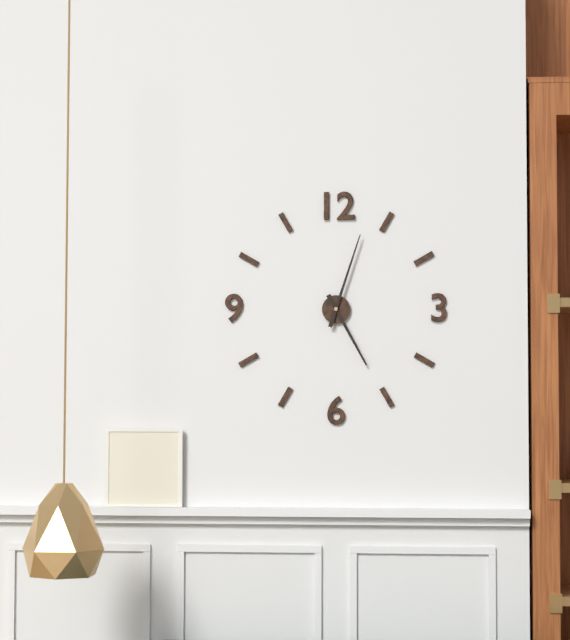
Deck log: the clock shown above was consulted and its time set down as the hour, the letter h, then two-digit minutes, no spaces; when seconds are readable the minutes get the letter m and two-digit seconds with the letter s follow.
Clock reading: 5h03
